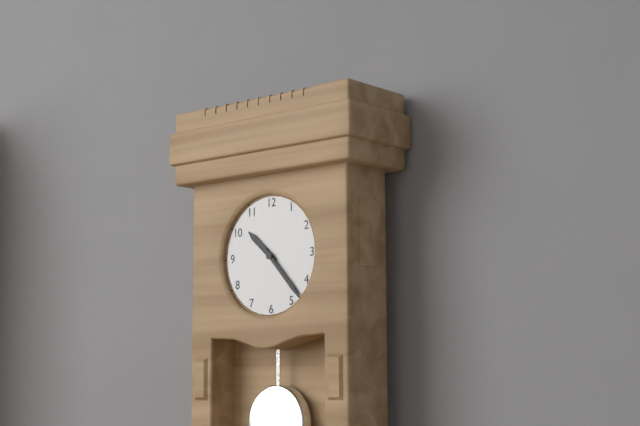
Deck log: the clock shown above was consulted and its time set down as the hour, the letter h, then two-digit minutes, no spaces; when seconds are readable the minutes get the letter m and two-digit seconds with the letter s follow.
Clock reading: 10h23
